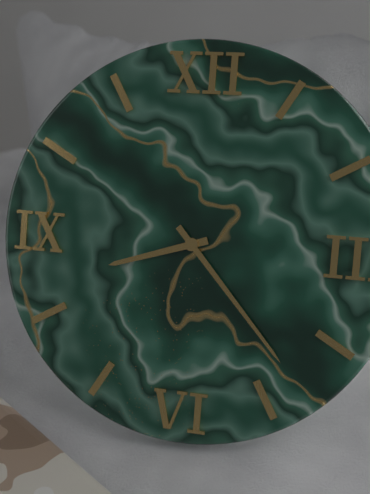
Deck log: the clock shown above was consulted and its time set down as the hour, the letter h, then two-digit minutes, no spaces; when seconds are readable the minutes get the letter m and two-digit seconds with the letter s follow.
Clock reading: 8h23
